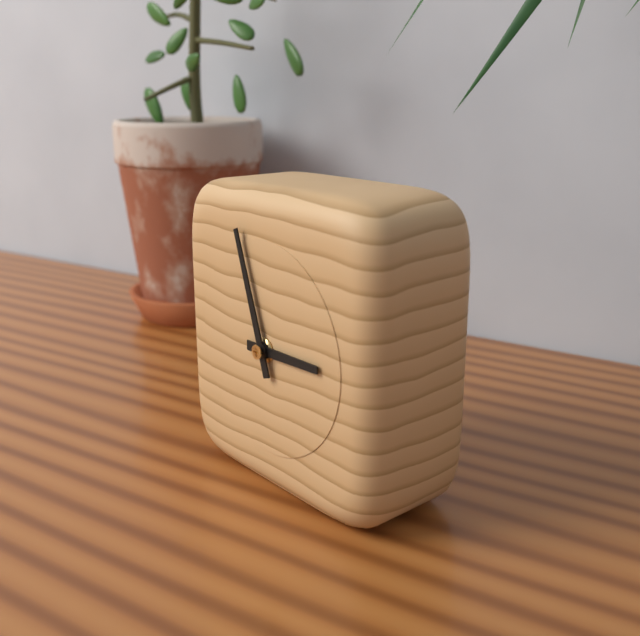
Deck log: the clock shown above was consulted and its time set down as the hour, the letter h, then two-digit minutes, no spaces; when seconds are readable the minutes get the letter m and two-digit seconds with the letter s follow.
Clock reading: 2h57
